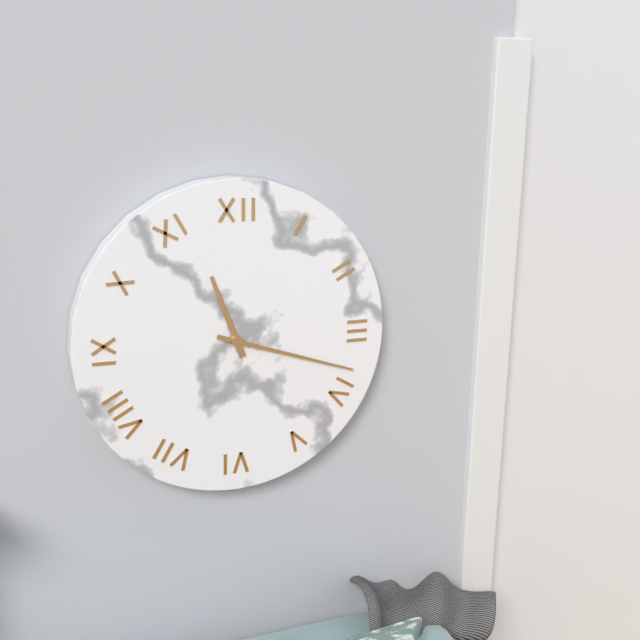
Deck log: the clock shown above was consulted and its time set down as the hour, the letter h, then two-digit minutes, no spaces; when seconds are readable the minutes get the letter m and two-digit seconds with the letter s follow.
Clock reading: 11h18
